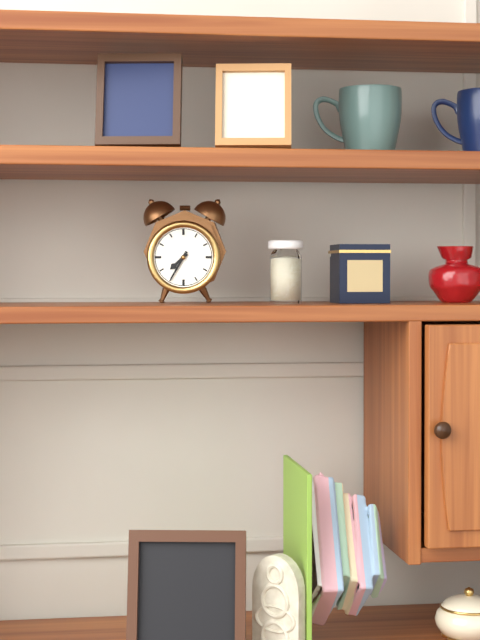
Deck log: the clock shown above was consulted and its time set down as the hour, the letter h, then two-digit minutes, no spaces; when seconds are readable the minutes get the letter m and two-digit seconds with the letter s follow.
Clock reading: 7h35
